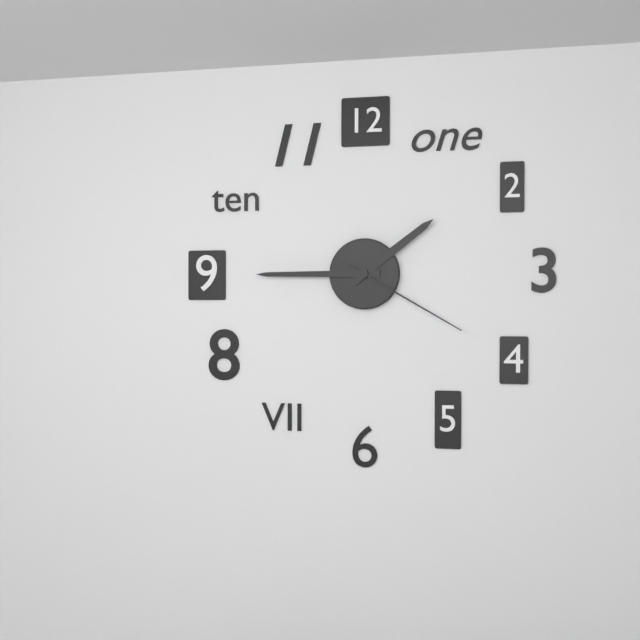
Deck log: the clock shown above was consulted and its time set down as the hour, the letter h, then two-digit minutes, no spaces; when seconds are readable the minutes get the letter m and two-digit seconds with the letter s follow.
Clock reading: 1h45m20s
